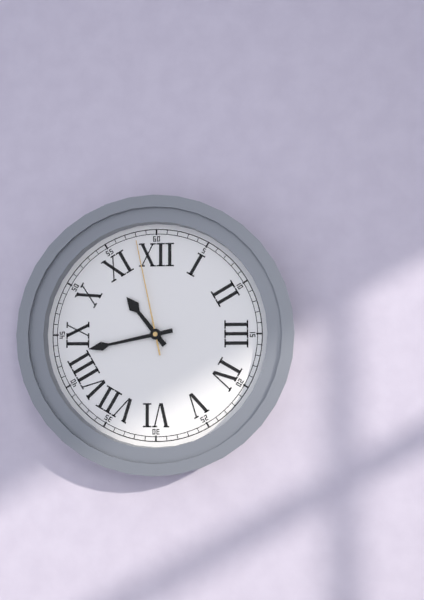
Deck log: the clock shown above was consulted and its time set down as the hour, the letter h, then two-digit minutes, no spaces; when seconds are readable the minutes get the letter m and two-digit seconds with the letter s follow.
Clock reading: 10h43m58s
